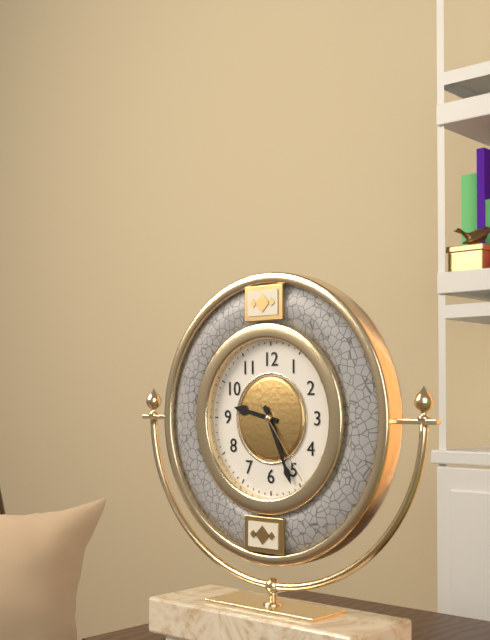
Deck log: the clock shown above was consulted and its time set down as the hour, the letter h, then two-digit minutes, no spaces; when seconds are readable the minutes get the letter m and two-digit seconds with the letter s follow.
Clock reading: 9h26m24s
